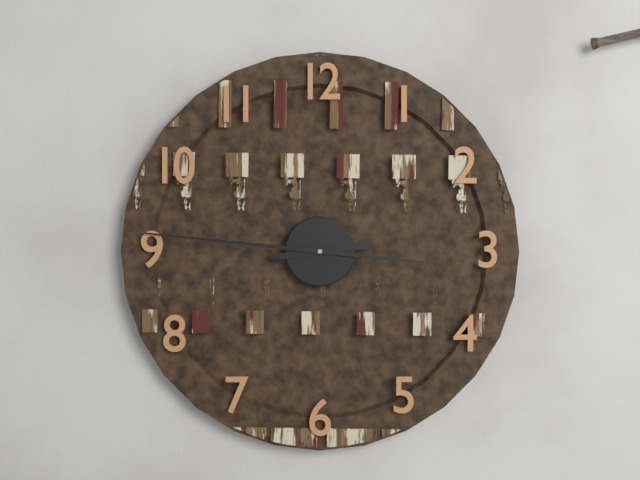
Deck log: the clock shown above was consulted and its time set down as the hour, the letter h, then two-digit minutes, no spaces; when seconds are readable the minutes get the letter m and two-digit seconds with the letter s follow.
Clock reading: 2h46
